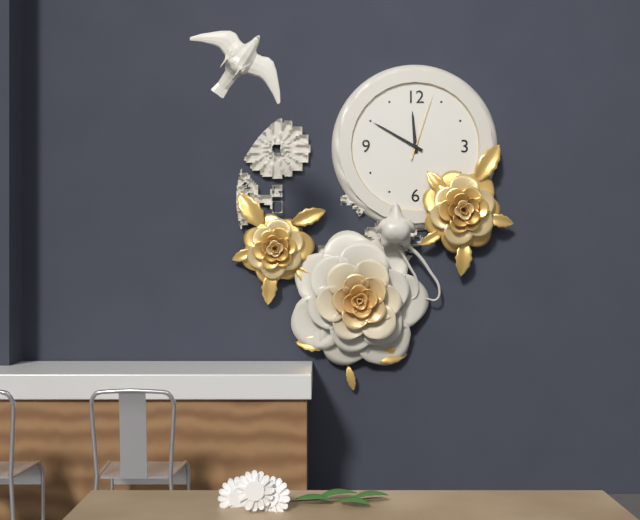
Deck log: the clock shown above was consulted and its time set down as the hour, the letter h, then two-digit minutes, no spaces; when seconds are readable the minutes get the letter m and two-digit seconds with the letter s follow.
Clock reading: 11h50m03s
